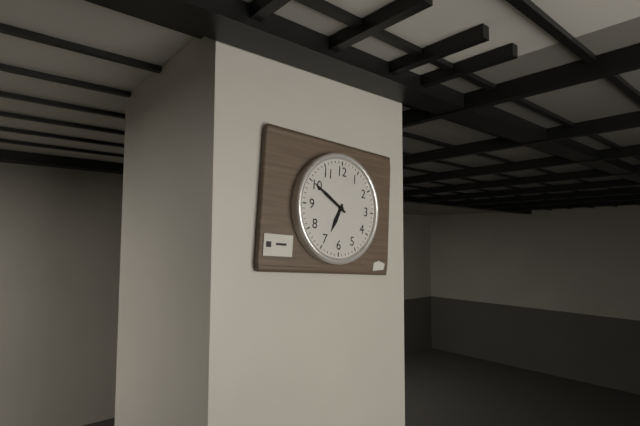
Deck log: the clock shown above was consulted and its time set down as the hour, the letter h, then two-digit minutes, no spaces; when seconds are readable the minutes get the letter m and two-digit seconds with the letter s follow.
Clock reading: 6h50
